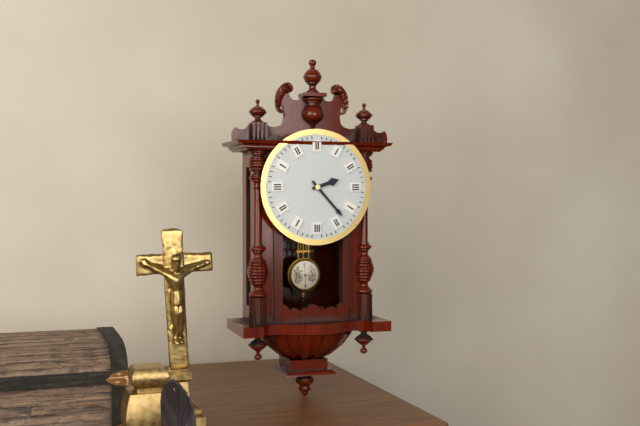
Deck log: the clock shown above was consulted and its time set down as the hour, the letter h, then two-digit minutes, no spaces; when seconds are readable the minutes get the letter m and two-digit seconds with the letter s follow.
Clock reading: 2h23
